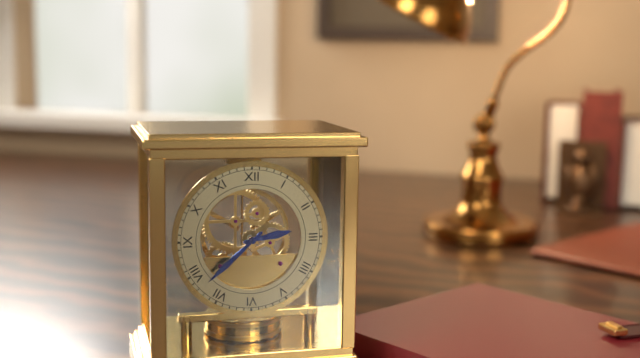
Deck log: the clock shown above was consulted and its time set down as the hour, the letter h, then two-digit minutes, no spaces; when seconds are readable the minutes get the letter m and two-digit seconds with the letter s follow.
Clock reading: 2h38
